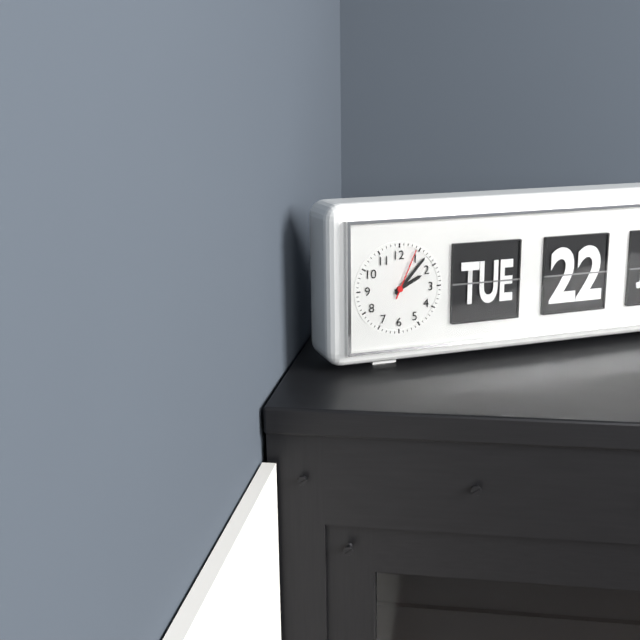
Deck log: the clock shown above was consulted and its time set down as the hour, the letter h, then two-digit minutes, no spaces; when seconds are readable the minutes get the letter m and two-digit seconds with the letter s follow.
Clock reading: 2h07m04s
